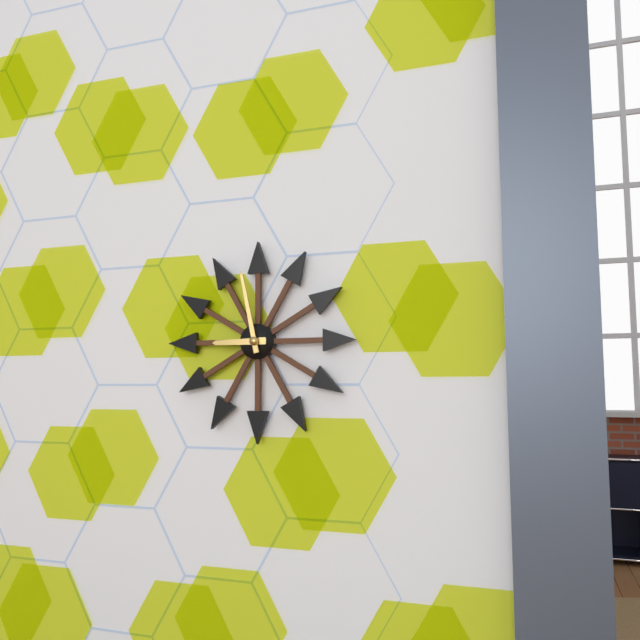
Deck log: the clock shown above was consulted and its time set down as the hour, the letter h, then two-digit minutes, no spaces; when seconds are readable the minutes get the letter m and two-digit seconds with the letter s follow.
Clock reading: 8h58
